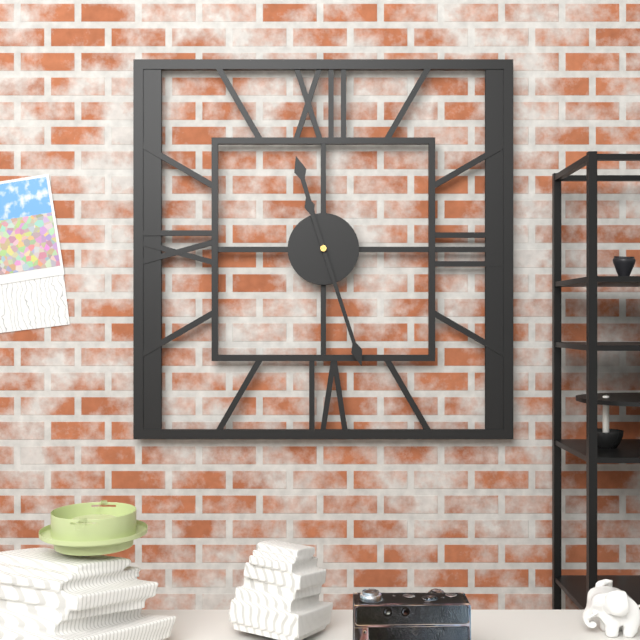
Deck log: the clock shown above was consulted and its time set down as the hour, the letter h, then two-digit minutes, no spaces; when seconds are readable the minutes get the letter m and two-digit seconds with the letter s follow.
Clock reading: 11h27
